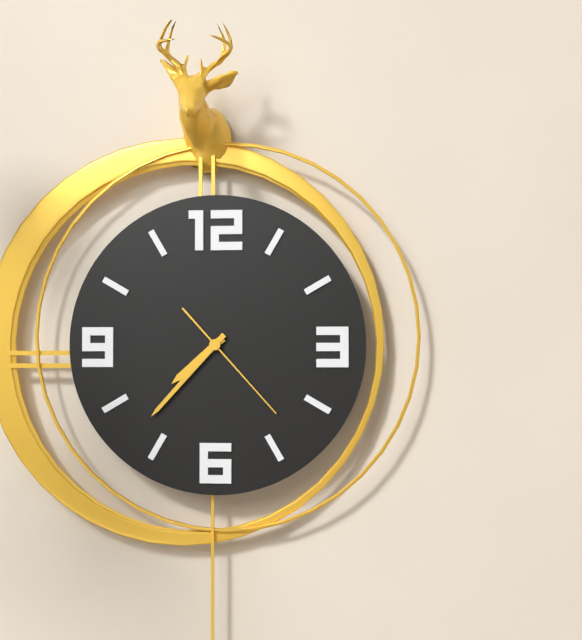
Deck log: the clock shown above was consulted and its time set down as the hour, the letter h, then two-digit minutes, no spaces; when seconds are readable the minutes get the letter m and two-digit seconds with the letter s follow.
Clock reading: 7h37m23s
